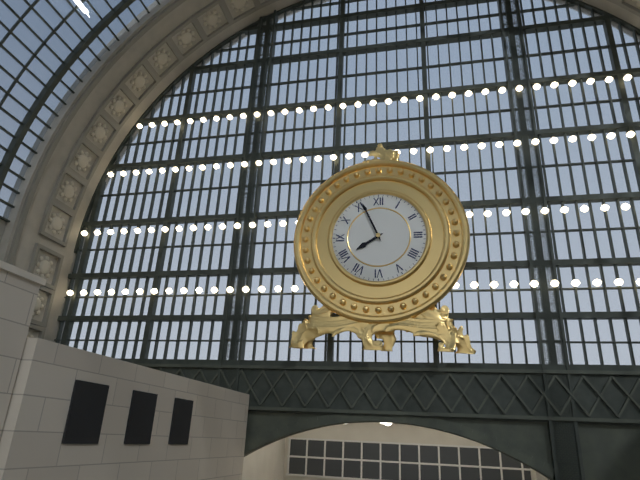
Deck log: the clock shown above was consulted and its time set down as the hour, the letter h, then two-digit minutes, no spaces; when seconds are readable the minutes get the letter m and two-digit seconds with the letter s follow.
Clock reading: 7h56
